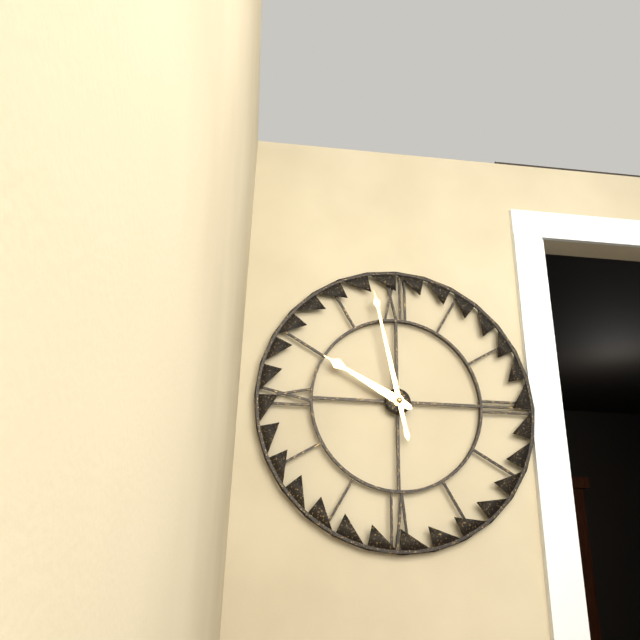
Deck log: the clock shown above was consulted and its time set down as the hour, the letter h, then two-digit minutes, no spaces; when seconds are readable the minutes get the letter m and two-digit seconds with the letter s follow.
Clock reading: 9h58
